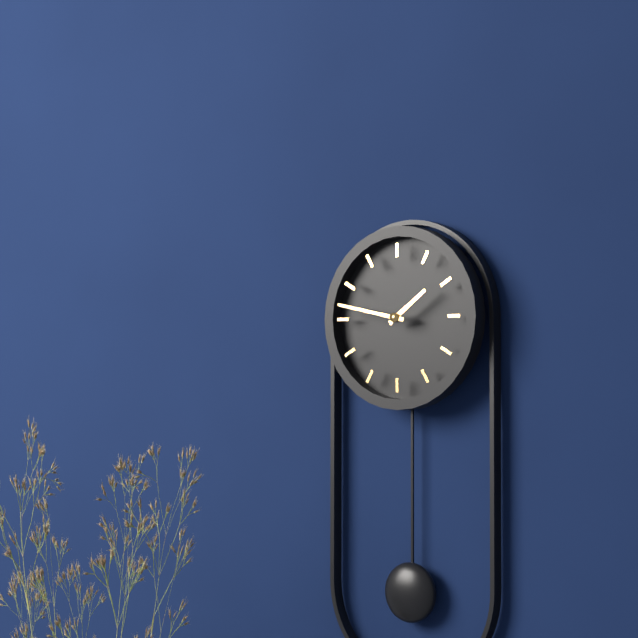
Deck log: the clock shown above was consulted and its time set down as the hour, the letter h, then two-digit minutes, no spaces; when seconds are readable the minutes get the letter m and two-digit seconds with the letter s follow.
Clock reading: 1h47
